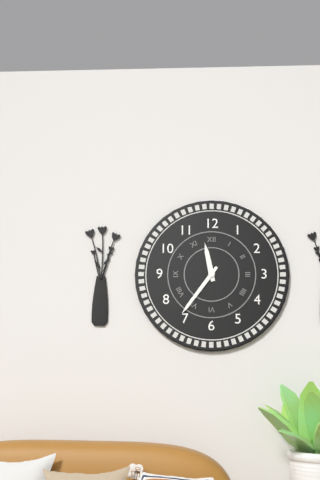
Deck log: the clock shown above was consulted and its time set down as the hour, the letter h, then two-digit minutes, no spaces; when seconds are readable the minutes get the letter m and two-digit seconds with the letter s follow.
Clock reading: 11h36
